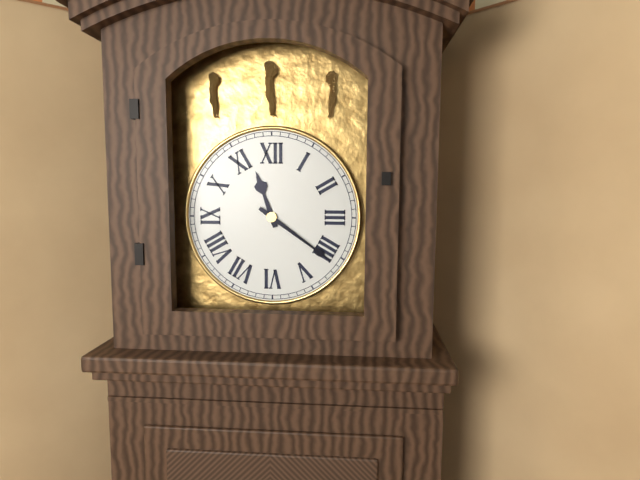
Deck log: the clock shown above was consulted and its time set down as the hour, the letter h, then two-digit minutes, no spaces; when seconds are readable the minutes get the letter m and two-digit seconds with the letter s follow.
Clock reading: 11h21
